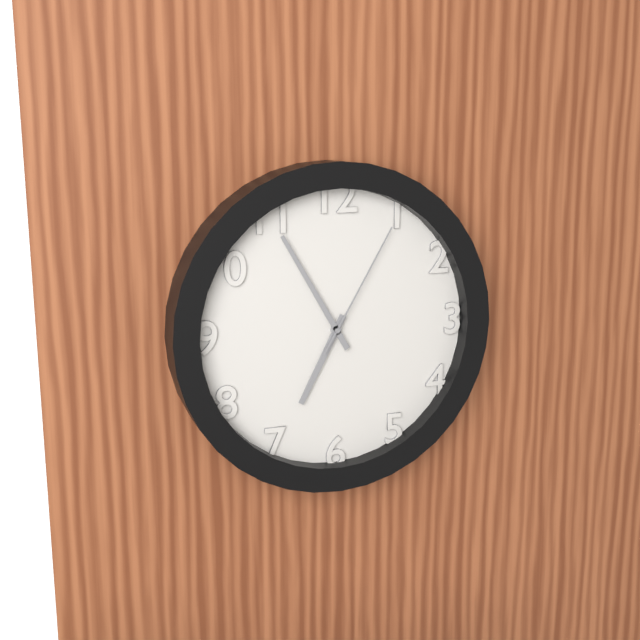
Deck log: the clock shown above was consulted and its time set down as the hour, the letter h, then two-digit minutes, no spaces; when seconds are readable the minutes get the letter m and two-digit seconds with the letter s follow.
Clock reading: 6h55m05s
